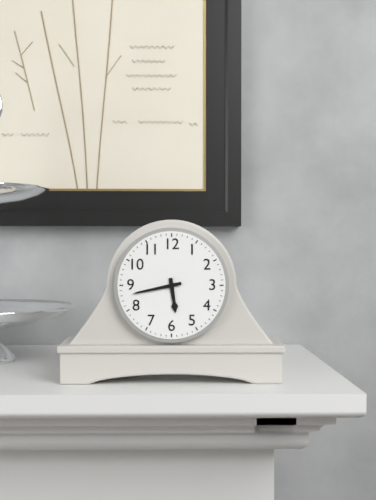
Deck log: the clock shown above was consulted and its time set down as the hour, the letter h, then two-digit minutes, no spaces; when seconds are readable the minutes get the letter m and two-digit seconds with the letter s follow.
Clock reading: 5h43
